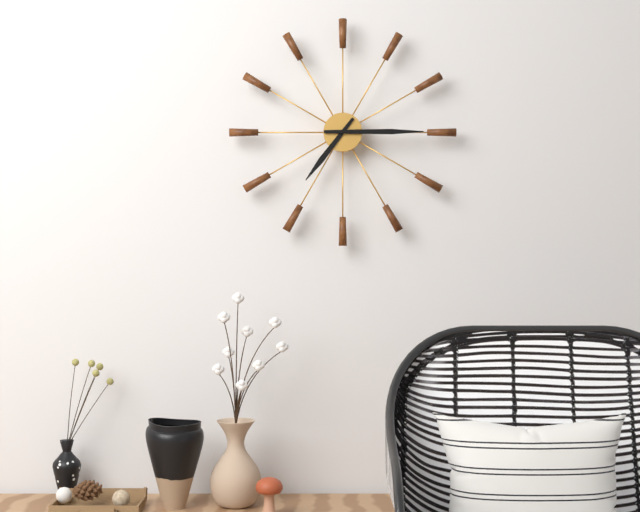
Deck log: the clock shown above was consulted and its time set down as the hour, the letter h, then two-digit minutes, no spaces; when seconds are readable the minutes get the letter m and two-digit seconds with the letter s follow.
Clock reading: 7h15
